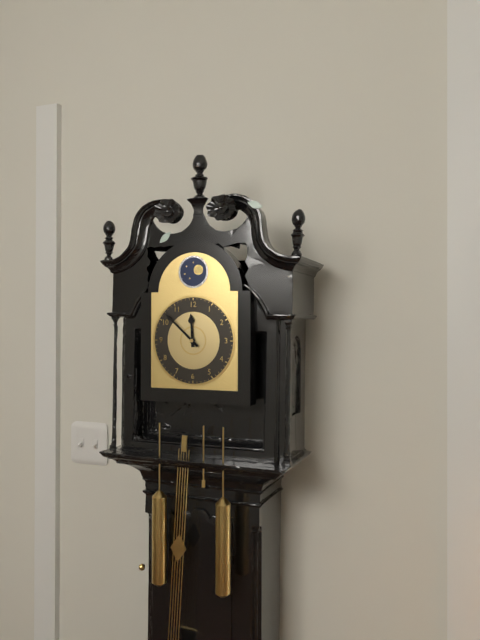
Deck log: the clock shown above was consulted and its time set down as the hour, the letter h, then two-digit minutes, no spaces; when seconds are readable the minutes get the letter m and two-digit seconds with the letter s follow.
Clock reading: 11h52
